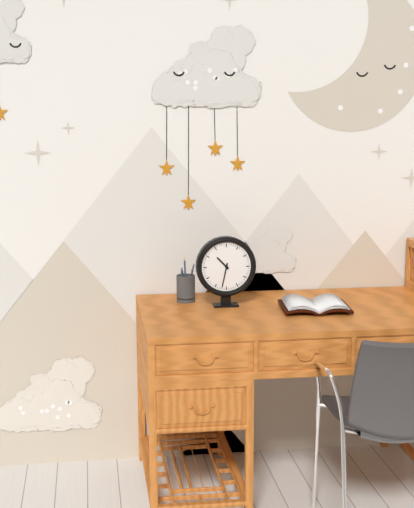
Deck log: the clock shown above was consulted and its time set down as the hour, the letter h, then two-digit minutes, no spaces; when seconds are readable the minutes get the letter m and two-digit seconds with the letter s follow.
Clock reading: 10h32
